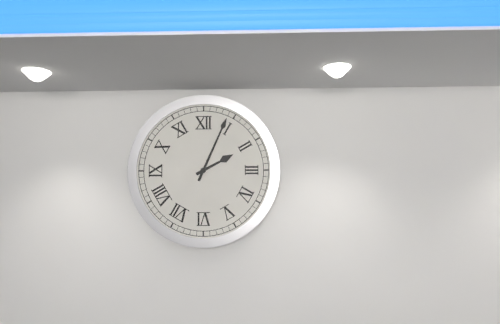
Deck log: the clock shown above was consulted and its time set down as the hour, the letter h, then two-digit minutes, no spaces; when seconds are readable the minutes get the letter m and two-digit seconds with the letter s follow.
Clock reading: 2h04
